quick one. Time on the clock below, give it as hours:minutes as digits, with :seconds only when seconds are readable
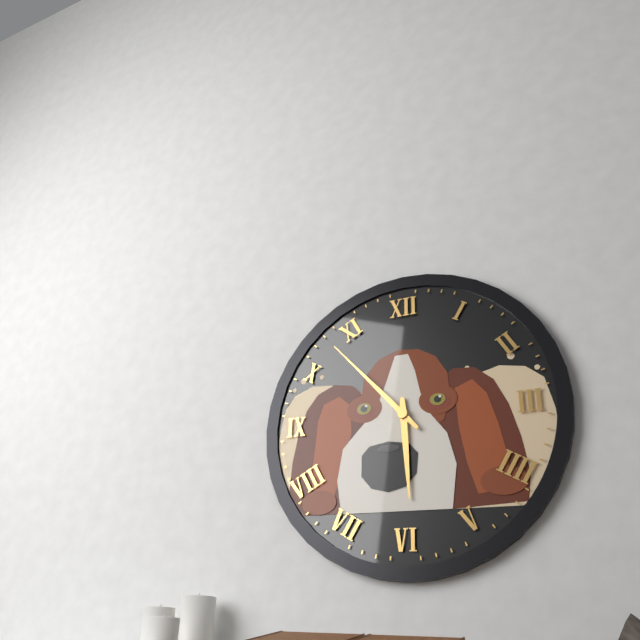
5:53
